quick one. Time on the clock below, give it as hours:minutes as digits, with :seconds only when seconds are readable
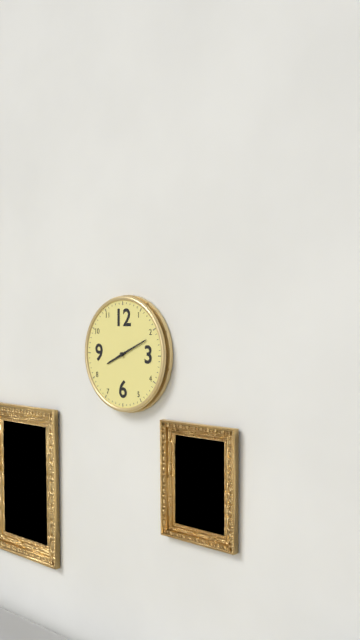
8:11
